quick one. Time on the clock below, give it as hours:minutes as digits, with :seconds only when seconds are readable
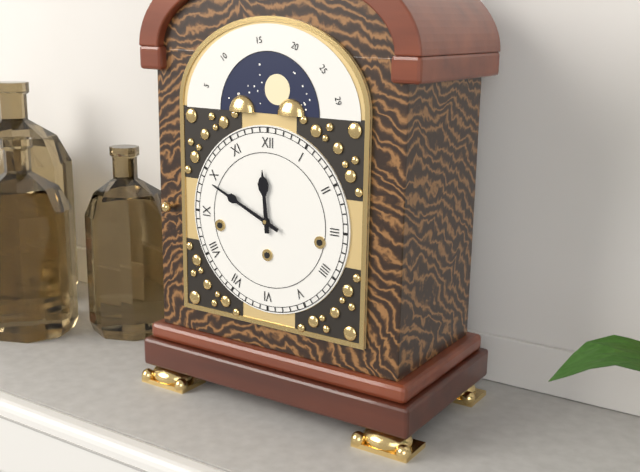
11:49
